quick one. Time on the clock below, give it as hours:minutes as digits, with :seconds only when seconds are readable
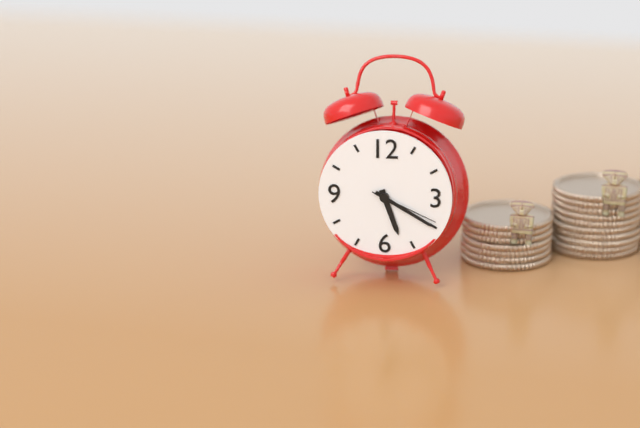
5:20:19
